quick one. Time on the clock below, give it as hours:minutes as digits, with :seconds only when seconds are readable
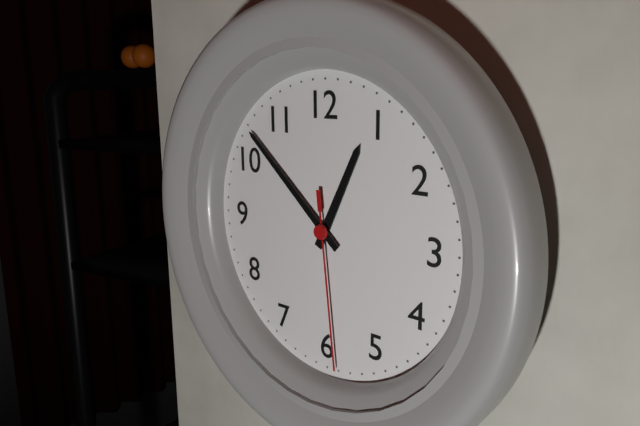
12:52:29
